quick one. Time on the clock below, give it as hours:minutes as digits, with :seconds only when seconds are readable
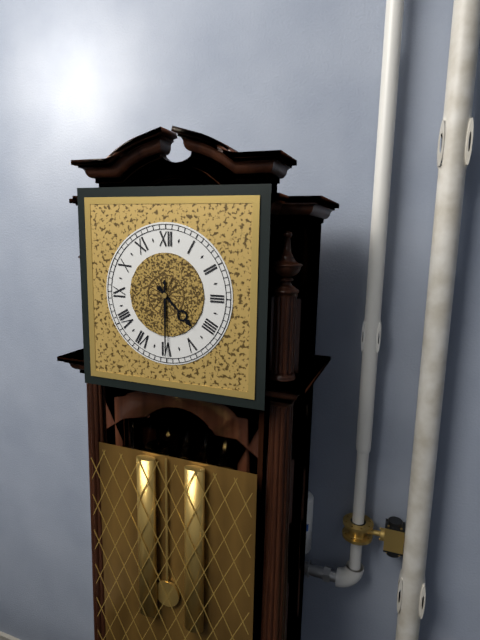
4:30
